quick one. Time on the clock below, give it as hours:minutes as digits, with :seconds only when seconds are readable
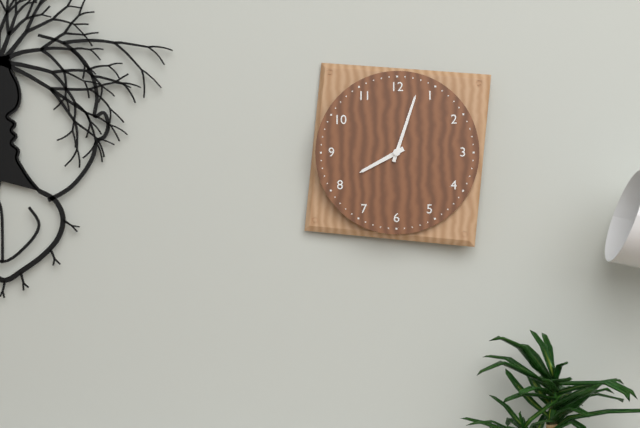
8:03
